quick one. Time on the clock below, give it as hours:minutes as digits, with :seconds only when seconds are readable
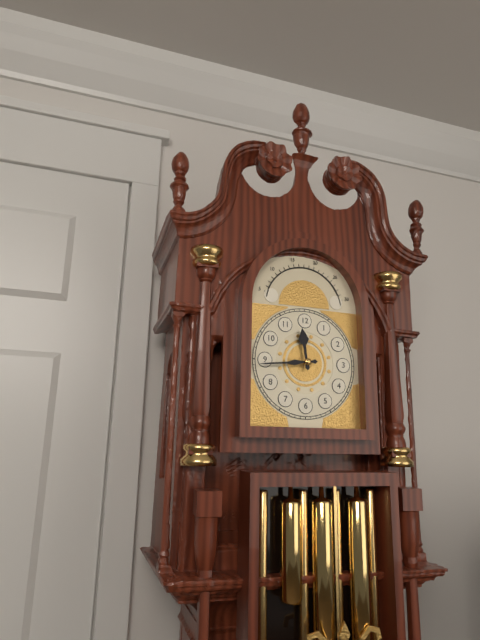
11:44
